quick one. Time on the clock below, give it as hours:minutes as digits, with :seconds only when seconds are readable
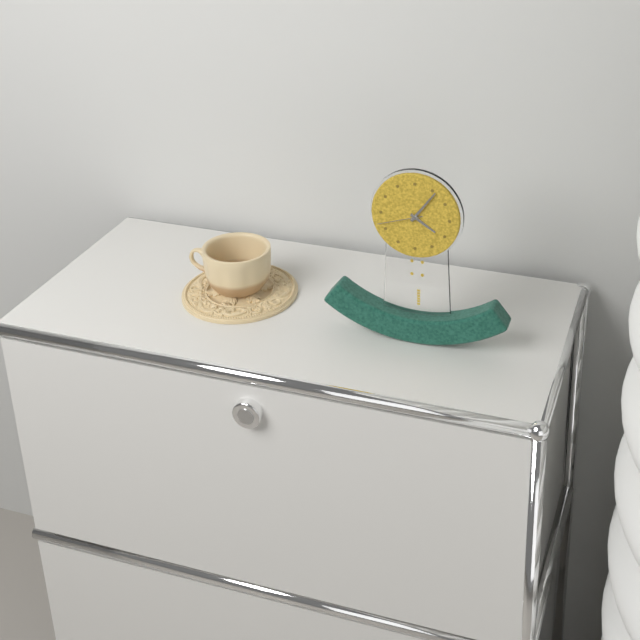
4:06
